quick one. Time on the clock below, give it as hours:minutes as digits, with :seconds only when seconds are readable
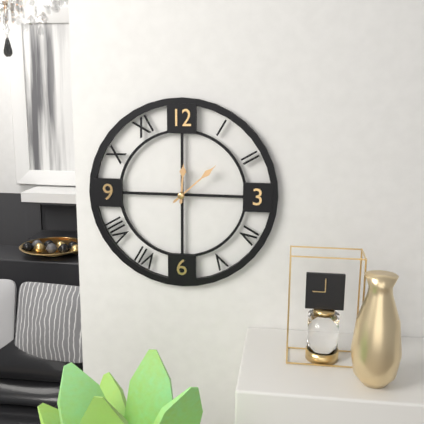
12:08
